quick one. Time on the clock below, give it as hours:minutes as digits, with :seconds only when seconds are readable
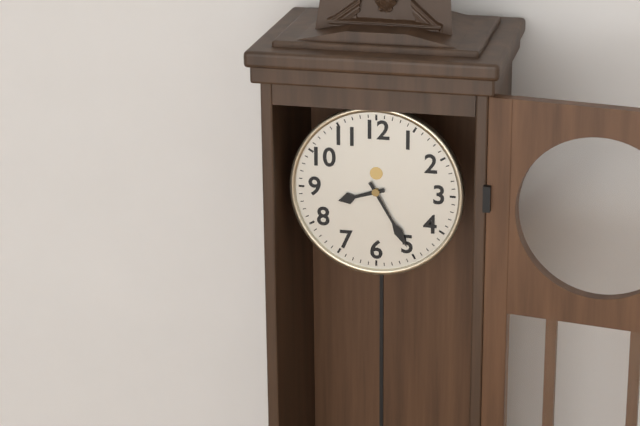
8:25
